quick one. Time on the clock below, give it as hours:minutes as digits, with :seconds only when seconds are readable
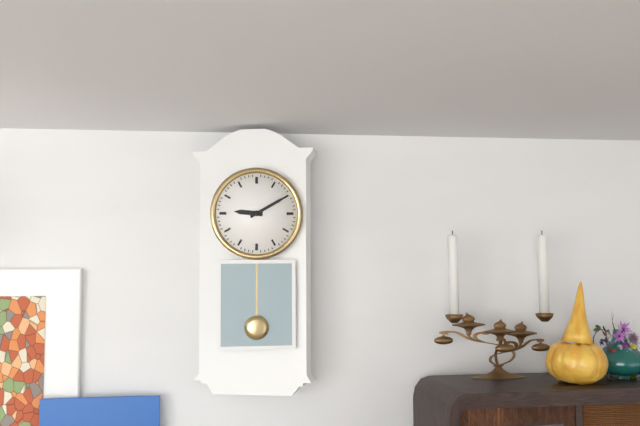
9:10
